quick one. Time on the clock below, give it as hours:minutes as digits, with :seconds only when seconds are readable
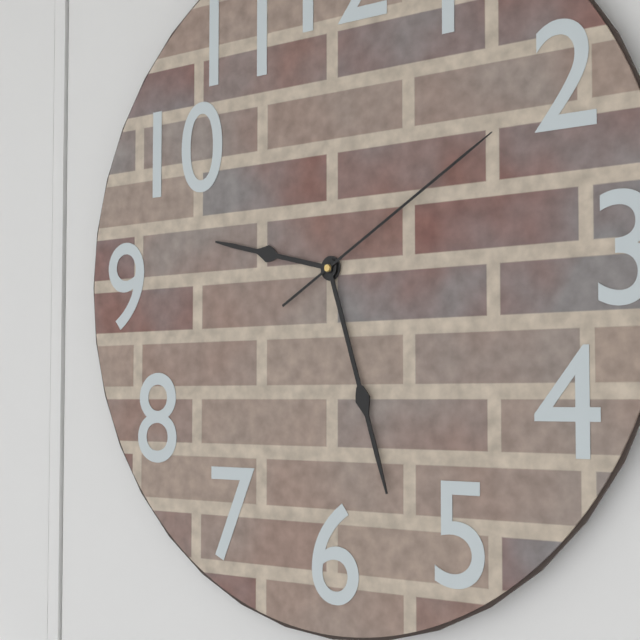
9:27:10
